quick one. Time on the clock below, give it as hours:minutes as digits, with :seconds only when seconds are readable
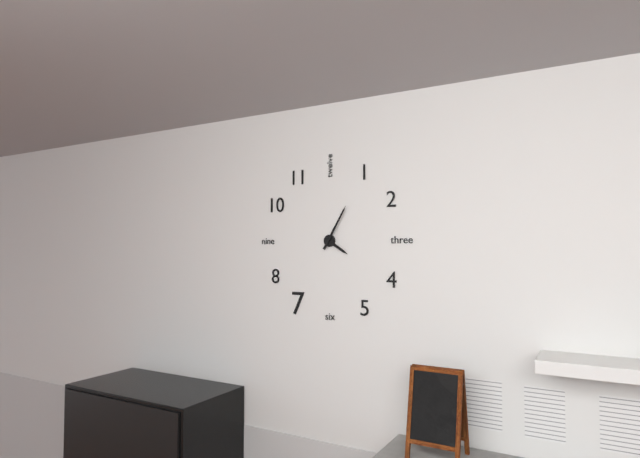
4:05
